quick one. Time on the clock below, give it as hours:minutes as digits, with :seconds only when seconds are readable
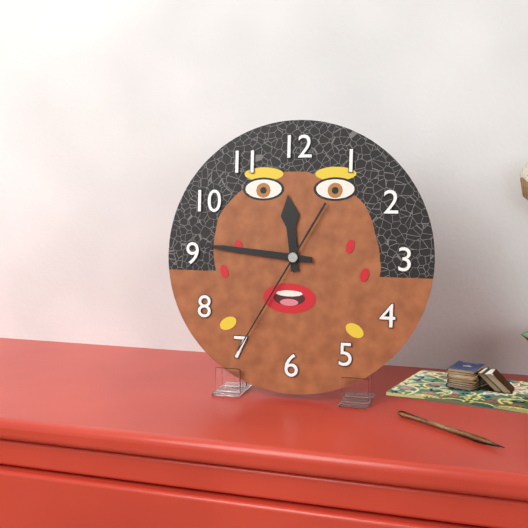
11:46:35
